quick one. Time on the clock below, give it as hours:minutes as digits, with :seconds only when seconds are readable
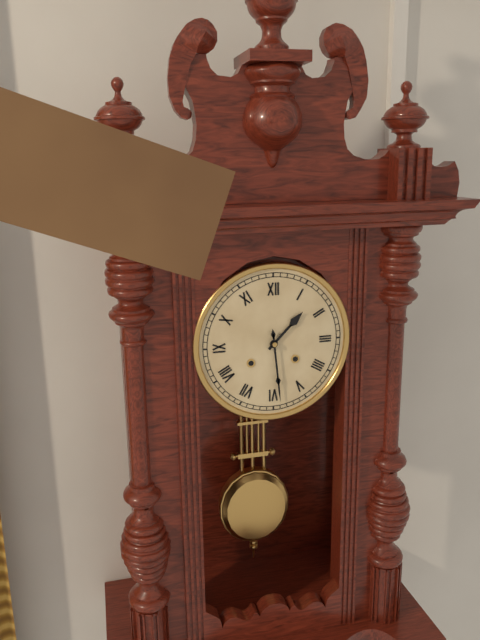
1:29
